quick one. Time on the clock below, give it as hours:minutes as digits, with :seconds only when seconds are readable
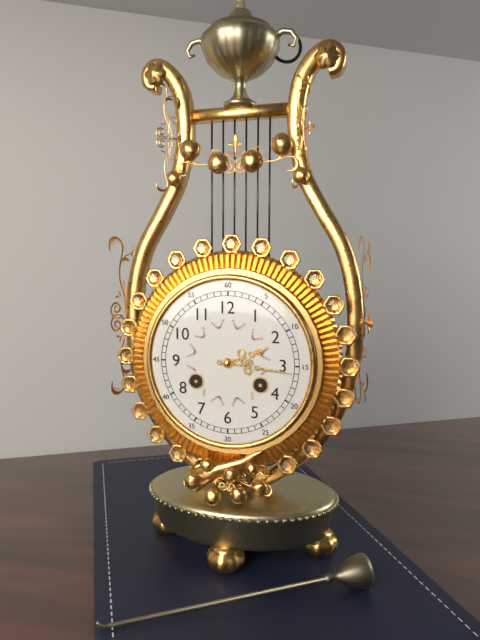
2:16
